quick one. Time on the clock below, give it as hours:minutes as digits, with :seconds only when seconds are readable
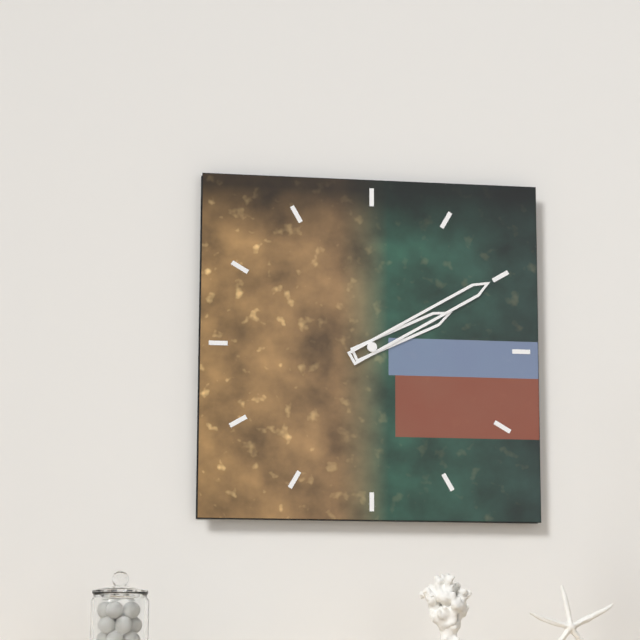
2:10
